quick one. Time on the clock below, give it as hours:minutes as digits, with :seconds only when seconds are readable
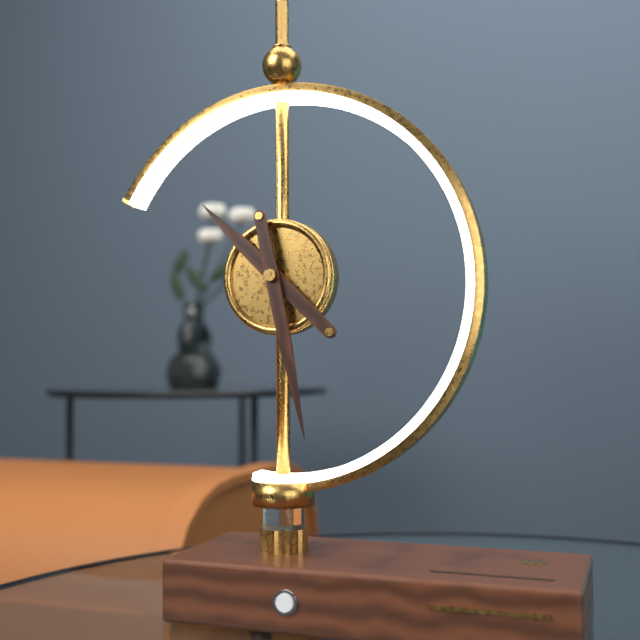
10:28
